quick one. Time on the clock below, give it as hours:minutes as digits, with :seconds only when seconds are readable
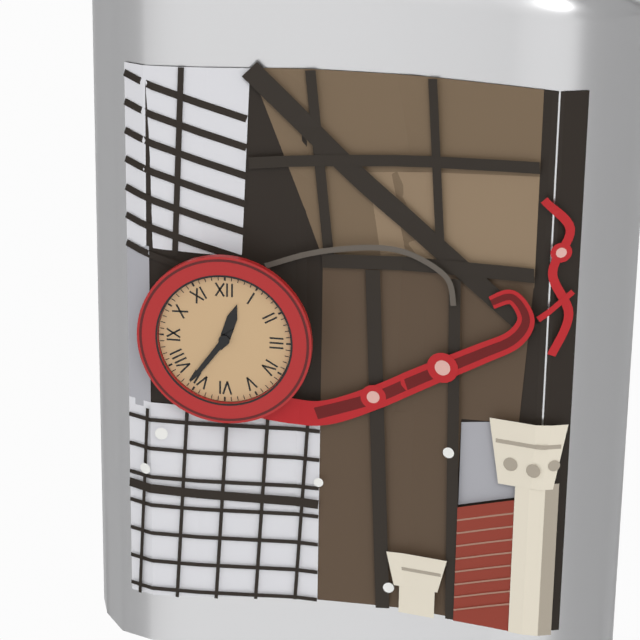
12:36
